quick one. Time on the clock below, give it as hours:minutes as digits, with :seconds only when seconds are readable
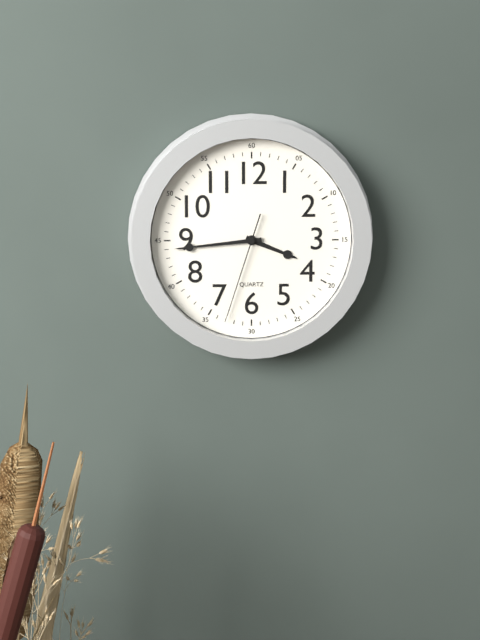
3:44:33
